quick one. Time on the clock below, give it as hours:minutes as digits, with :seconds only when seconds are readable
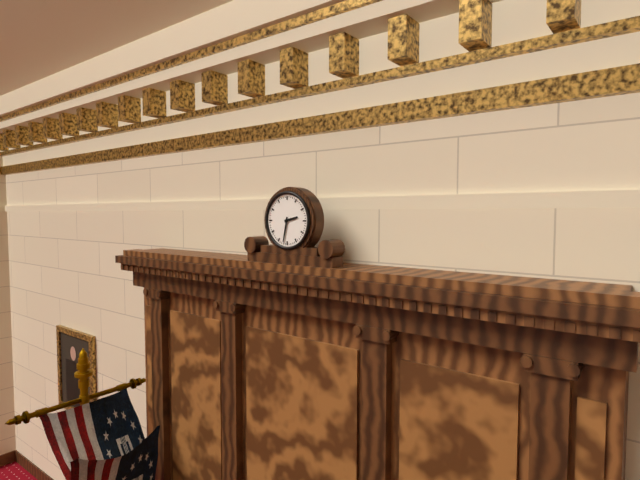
2:32
